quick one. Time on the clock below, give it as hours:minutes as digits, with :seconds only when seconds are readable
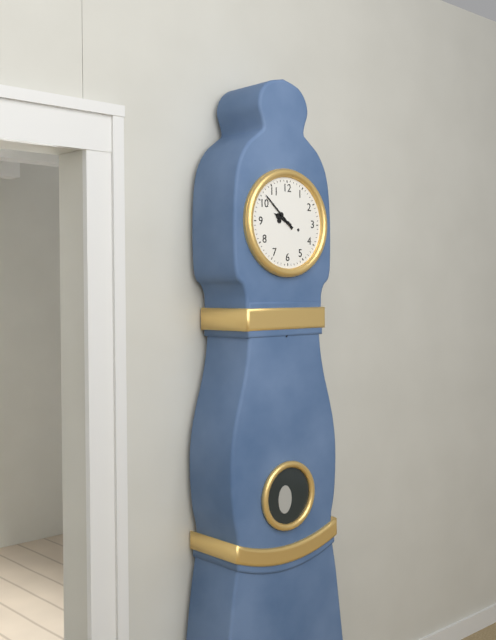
9:52
